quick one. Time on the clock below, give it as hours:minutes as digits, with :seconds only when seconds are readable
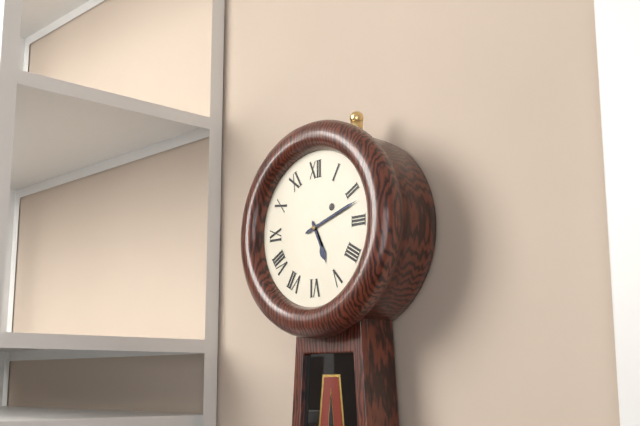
5:12
